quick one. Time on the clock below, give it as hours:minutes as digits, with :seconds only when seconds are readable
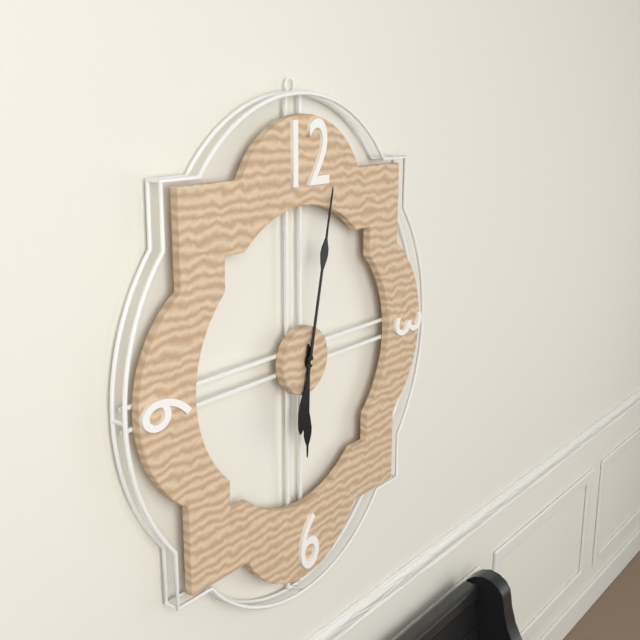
6:02
